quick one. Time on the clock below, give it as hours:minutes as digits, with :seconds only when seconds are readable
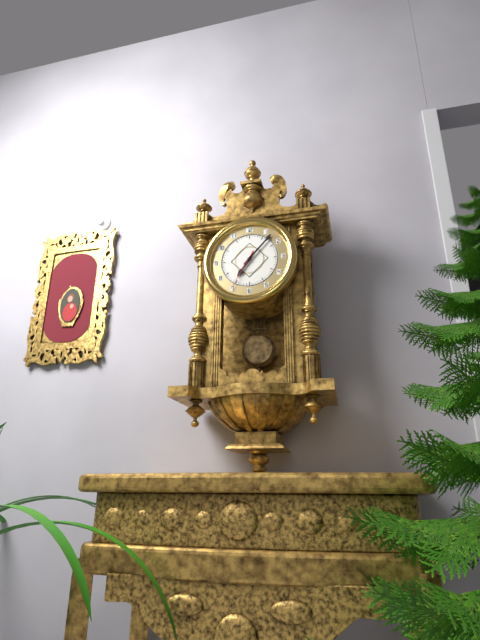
7:07
